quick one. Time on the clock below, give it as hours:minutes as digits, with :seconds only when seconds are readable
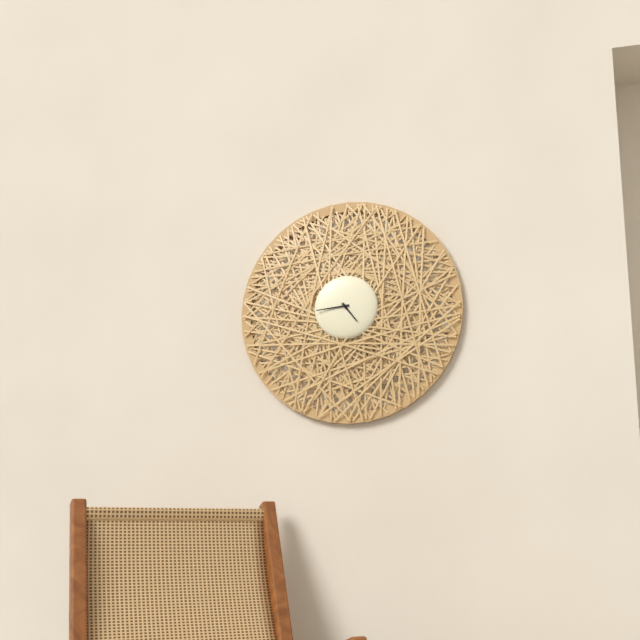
4:44
